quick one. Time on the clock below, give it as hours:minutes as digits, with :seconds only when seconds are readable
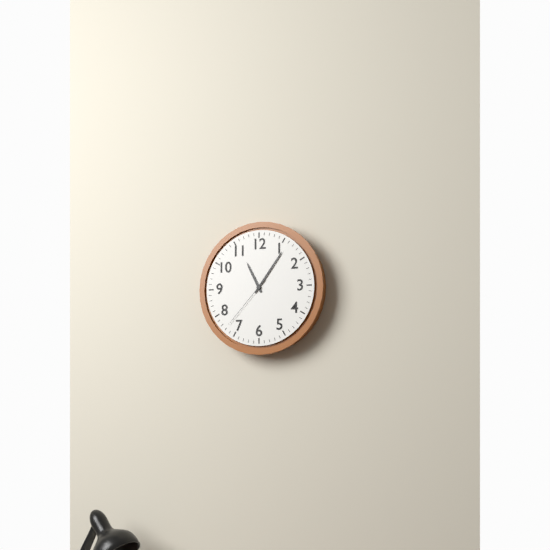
11:06:37
